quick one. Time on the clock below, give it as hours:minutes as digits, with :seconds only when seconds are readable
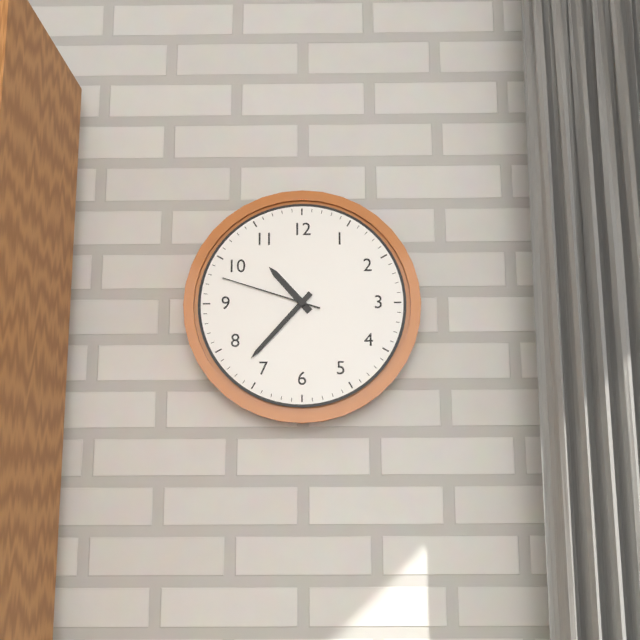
10:37:48
